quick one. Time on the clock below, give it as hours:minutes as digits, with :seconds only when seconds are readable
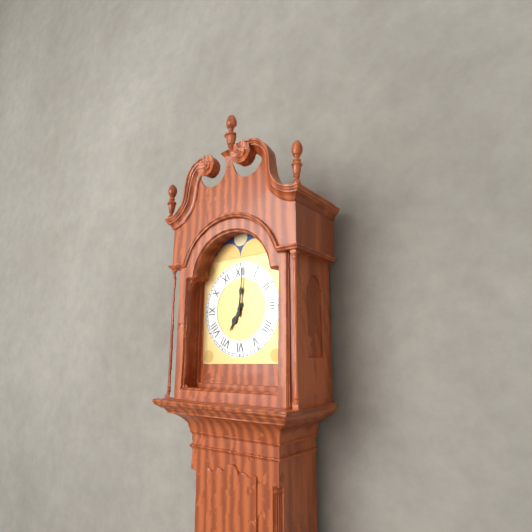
7:01
